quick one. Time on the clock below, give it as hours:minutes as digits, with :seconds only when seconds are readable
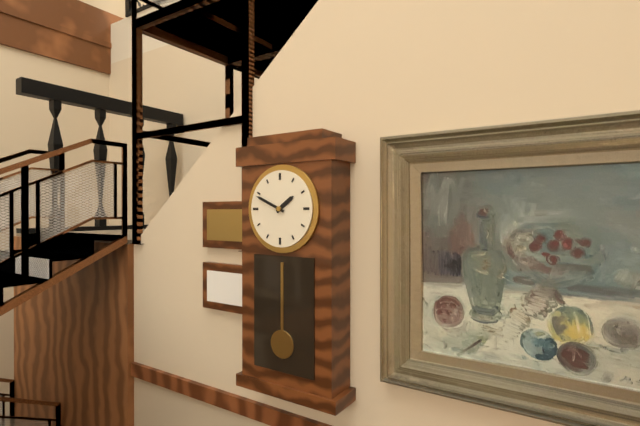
1:49
